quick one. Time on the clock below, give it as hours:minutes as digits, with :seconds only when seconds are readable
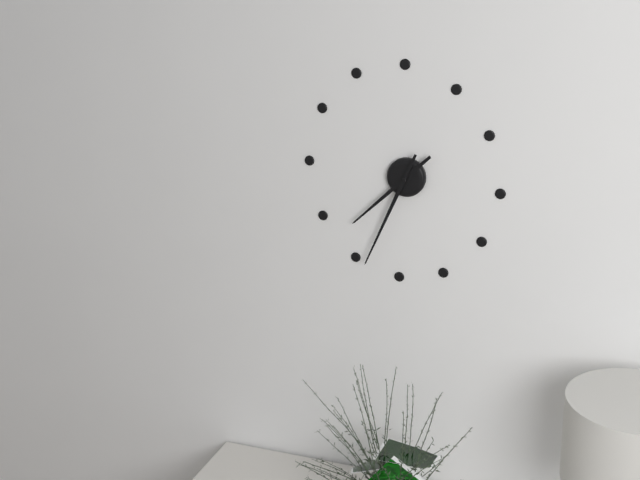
7:34
